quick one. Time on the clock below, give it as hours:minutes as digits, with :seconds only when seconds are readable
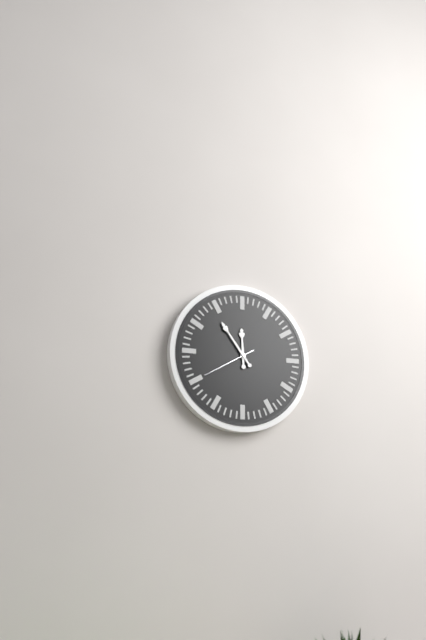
11:54:40
